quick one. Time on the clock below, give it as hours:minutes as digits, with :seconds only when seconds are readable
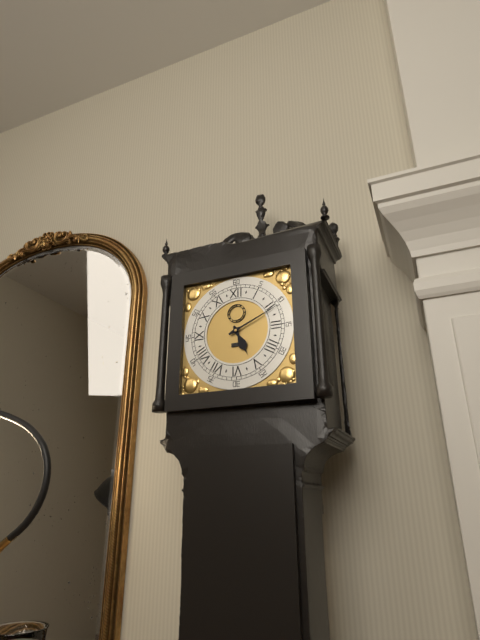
5:11
